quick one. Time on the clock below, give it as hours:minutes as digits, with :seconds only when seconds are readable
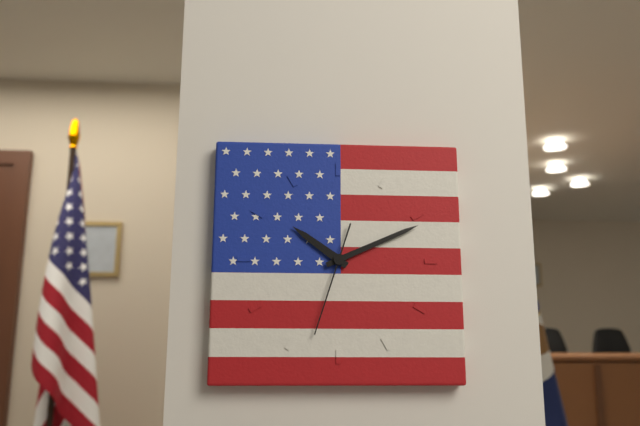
10:11:33
